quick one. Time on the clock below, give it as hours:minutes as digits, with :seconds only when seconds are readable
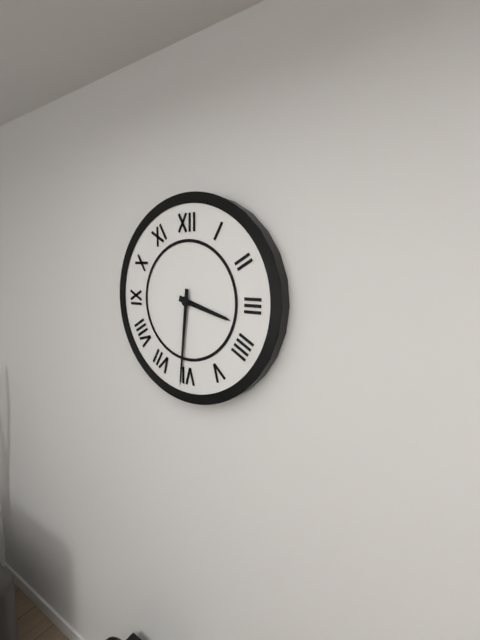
3:31
